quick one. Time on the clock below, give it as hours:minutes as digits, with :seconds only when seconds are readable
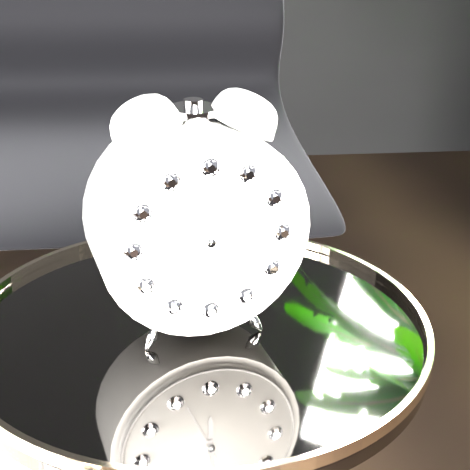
6:01:34
